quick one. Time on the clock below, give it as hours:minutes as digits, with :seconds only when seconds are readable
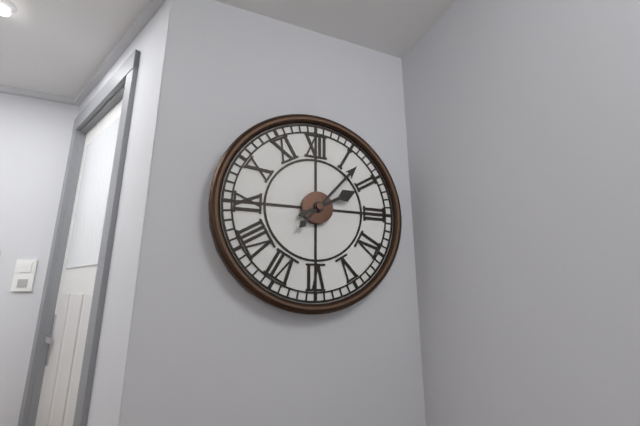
2:07
